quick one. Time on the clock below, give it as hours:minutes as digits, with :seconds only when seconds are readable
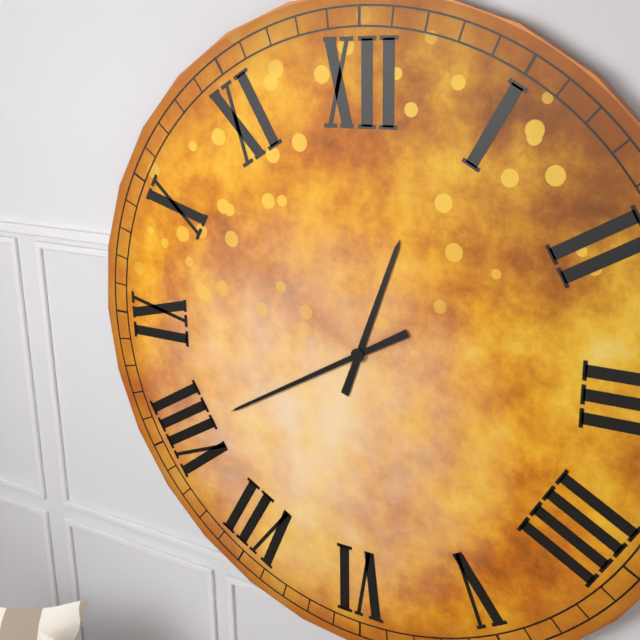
12:40
